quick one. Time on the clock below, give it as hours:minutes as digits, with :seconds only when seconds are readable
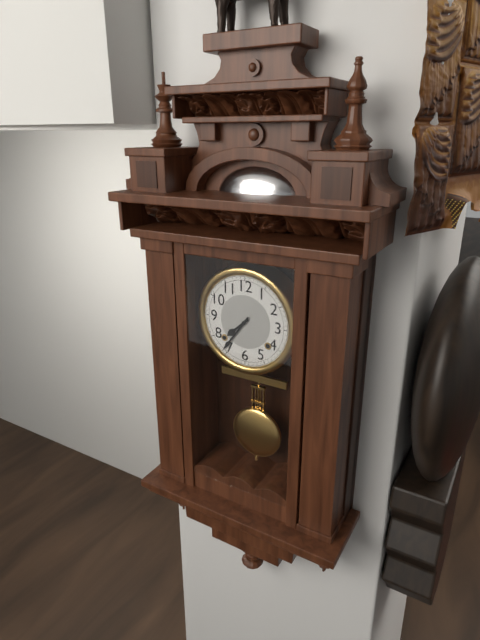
7:36
